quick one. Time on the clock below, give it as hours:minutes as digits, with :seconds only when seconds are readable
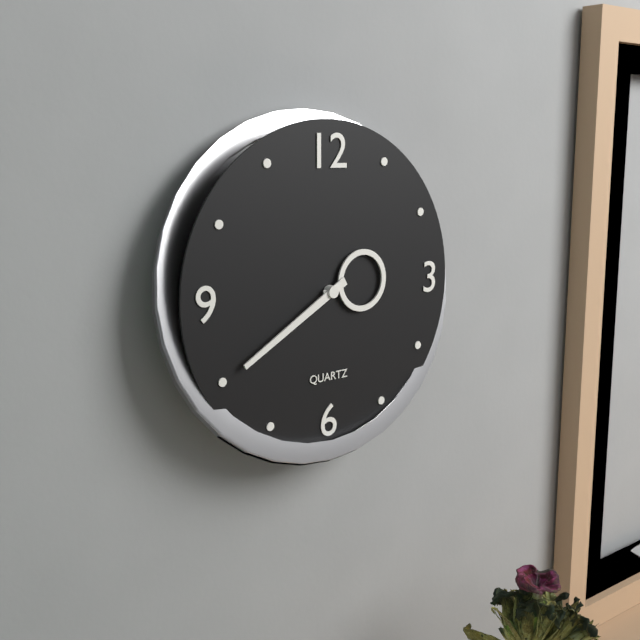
2:40
